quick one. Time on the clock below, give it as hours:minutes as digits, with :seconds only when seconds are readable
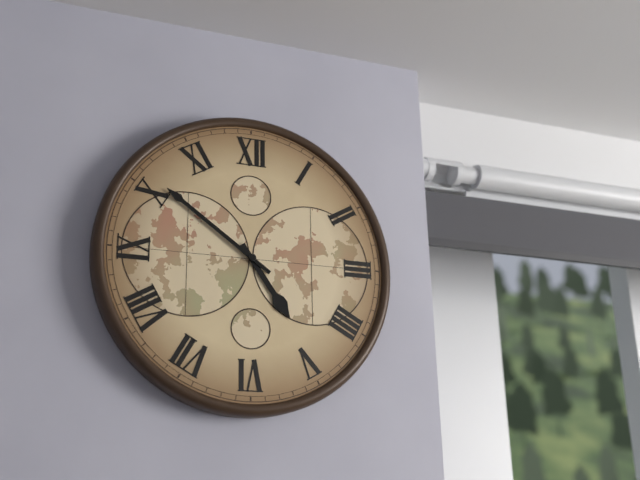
4:51
